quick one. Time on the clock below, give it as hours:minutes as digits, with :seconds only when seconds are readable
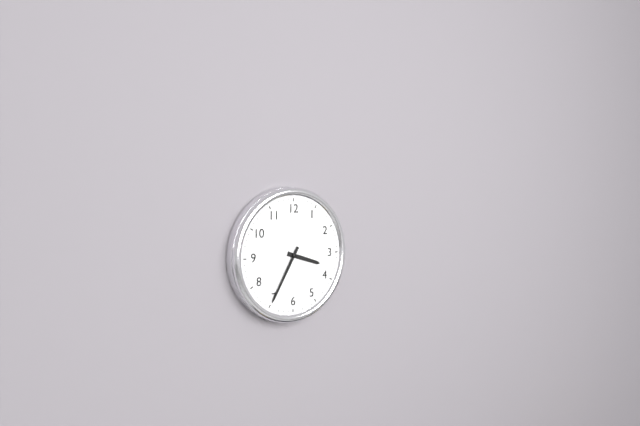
3:35
